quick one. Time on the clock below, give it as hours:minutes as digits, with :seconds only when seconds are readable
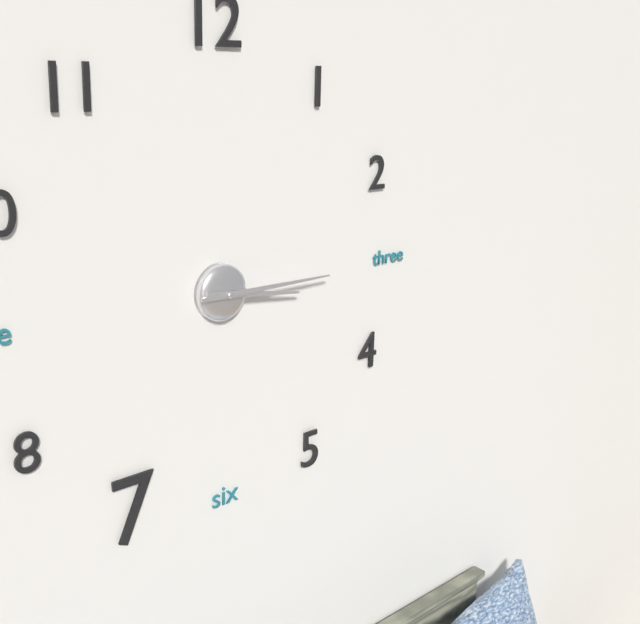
3:15
